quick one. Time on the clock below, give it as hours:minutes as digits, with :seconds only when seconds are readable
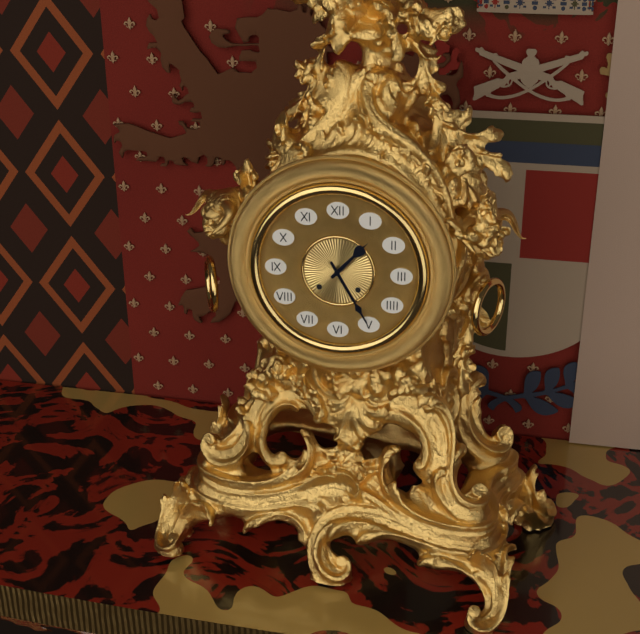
1:25
